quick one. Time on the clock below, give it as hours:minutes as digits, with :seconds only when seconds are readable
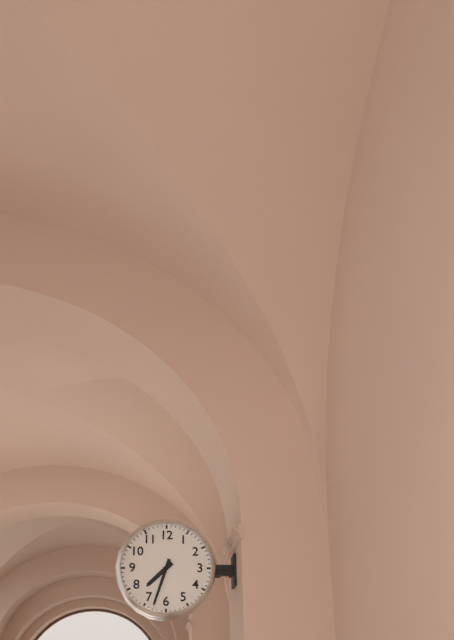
7:33
